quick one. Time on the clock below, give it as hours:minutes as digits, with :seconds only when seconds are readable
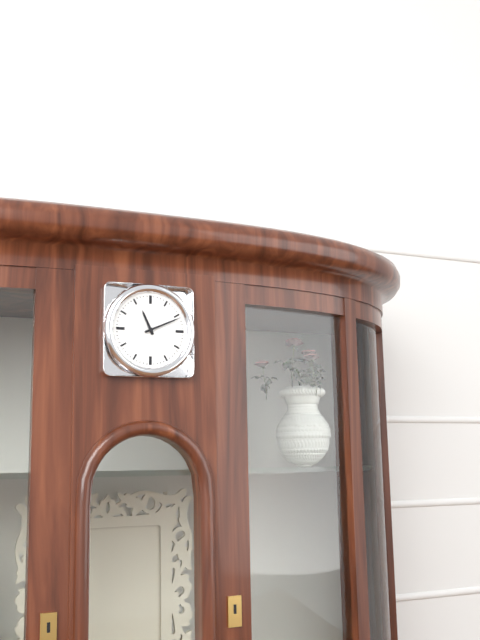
11:11
